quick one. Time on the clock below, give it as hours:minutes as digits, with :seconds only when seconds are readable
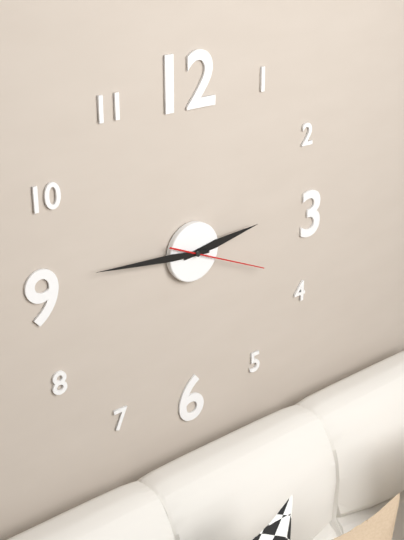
2:46:19
